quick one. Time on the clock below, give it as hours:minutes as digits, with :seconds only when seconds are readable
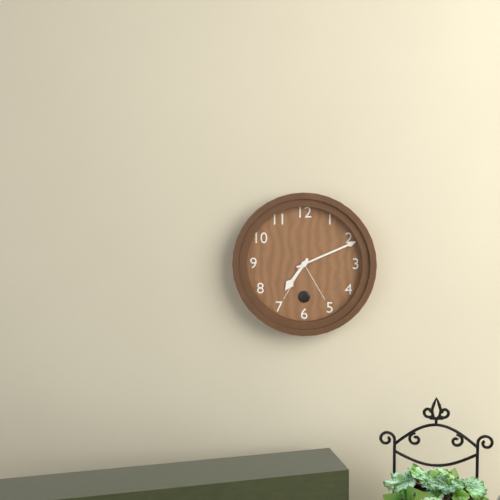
7:11
